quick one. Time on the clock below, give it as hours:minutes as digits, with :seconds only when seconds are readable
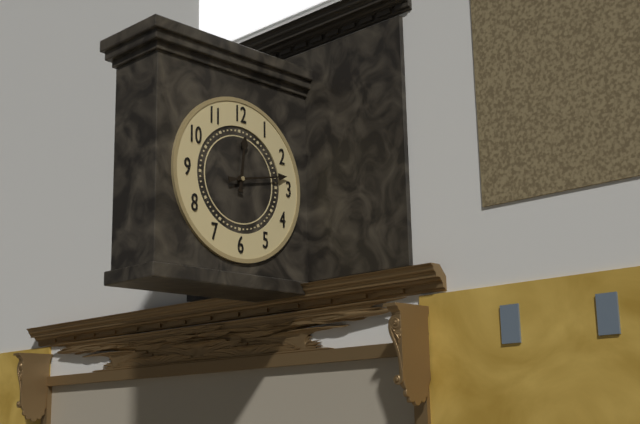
12:13
